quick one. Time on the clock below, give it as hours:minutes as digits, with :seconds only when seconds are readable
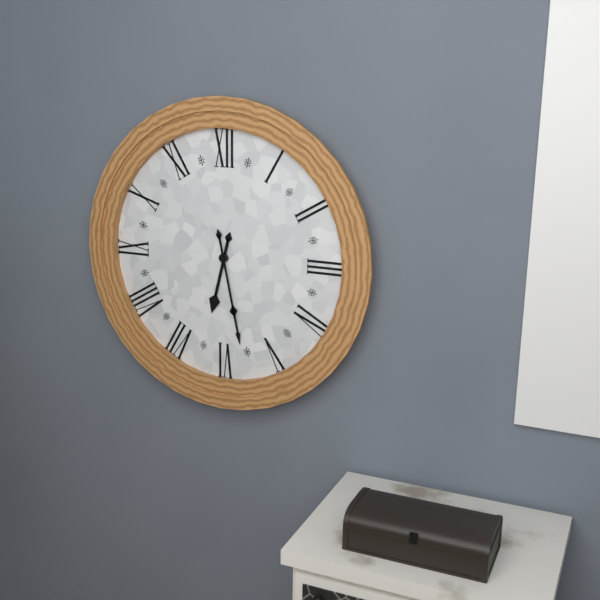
6:28
